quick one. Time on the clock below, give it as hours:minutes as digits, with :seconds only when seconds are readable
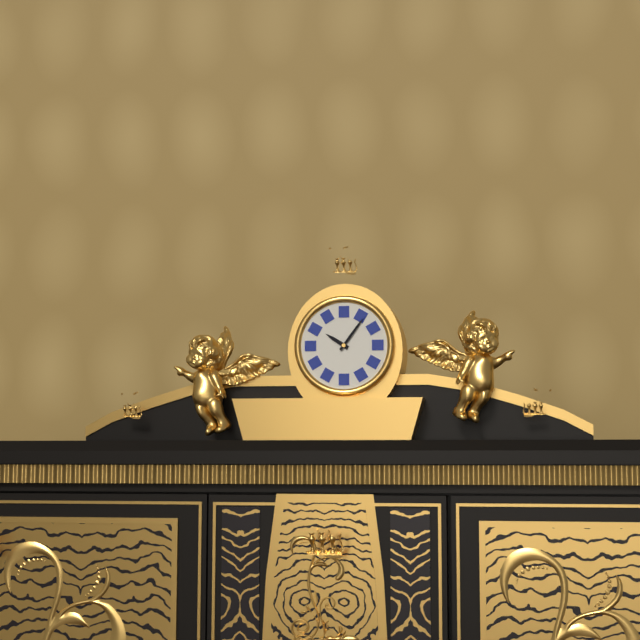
10:06
